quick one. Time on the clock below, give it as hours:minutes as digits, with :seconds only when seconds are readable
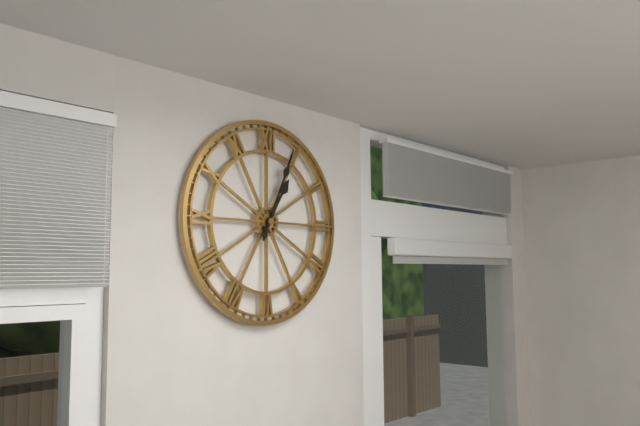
1:04
